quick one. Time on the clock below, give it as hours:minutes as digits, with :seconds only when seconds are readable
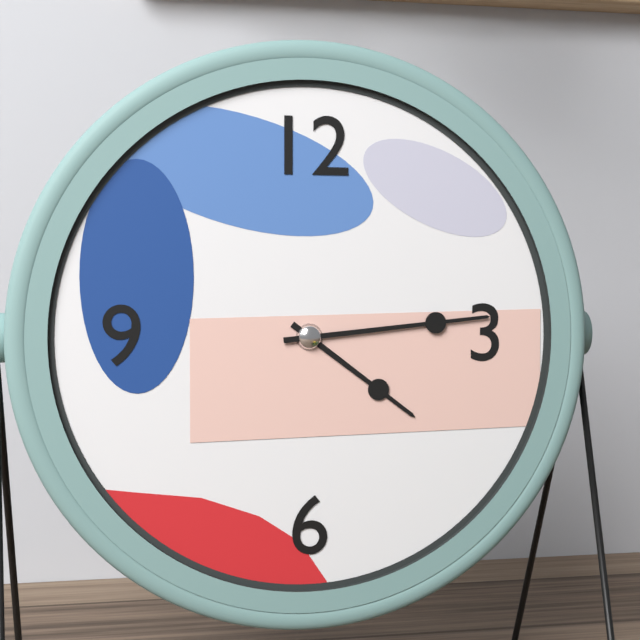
4:14
